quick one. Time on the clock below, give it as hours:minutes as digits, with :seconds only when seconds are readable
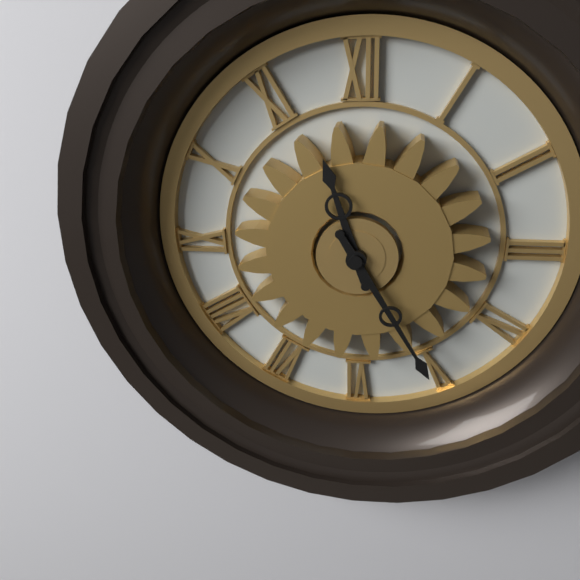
11:25
